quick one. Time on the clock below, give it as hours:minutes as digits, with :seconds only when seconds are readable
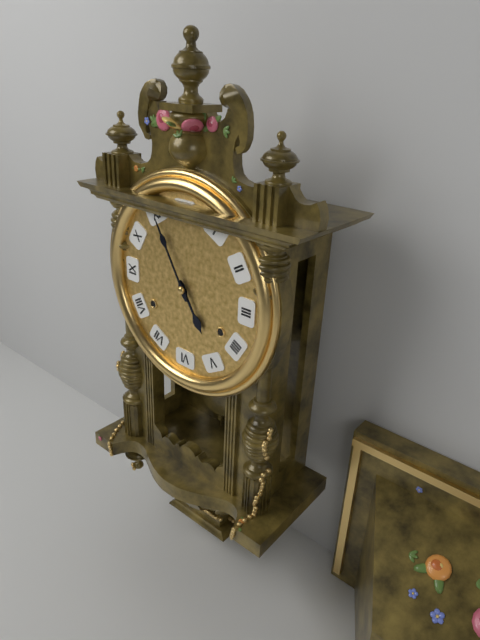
4:55
